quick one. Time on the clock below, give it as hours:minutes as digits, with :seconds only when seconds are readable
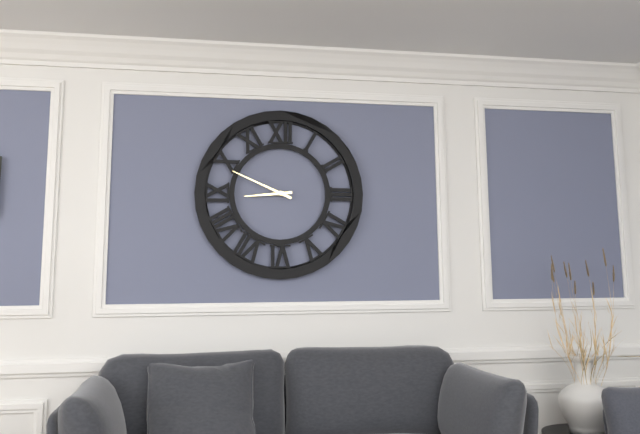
8:49
